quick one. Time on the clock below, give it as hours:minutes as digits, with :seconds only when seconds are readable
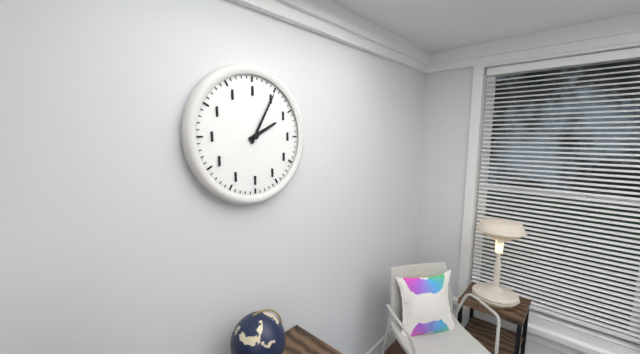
2:05
